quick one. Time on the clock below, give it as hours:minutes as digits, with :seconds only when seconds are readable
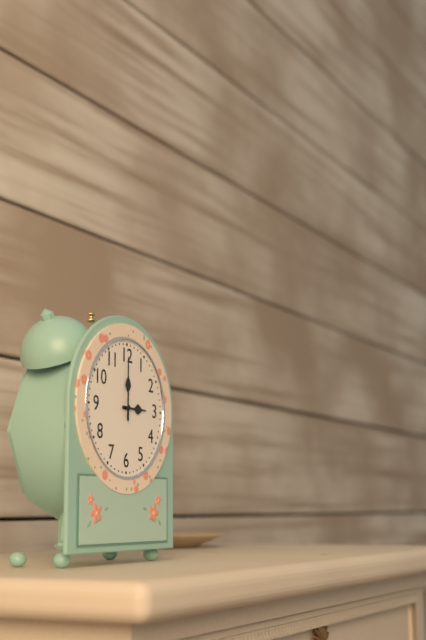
3:00
